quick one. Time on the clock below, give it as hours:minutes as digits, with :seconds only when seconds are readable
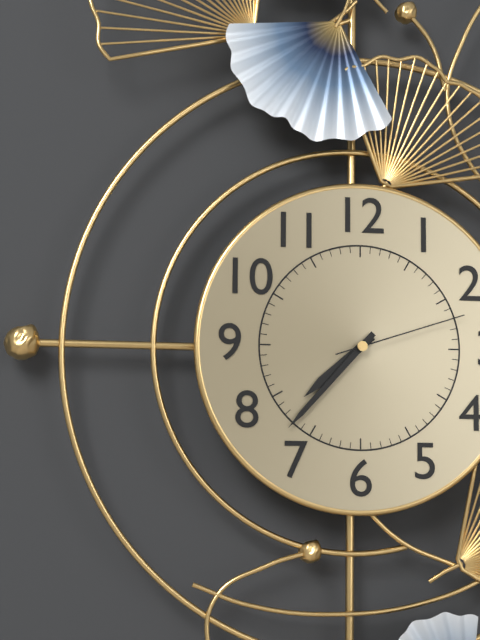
7:37:12
